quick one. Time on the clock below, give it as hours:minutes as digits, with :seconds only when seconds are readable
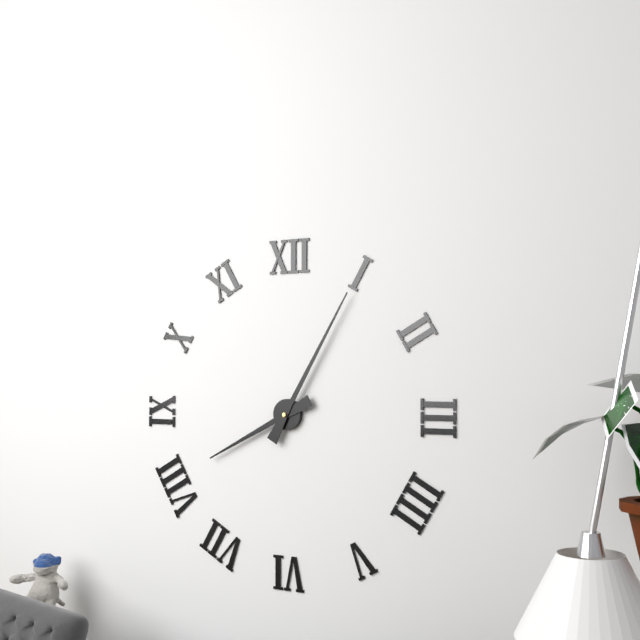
8:05
